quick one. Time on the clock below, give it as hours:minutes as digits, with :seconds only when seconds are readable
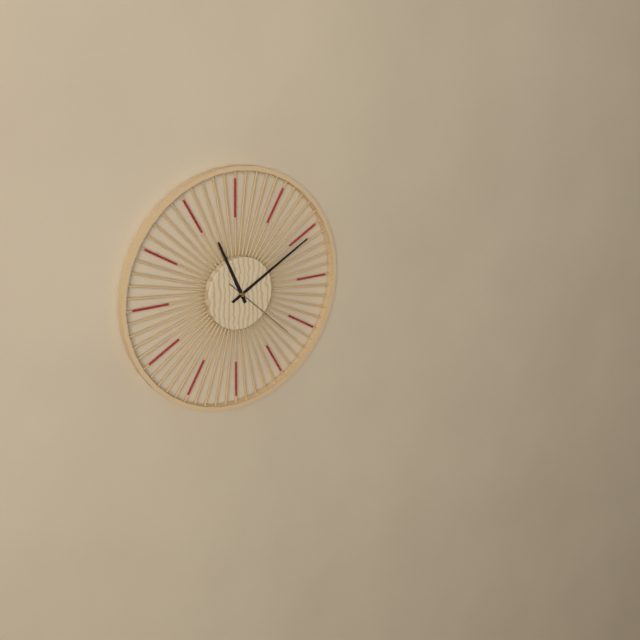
11:10:22
